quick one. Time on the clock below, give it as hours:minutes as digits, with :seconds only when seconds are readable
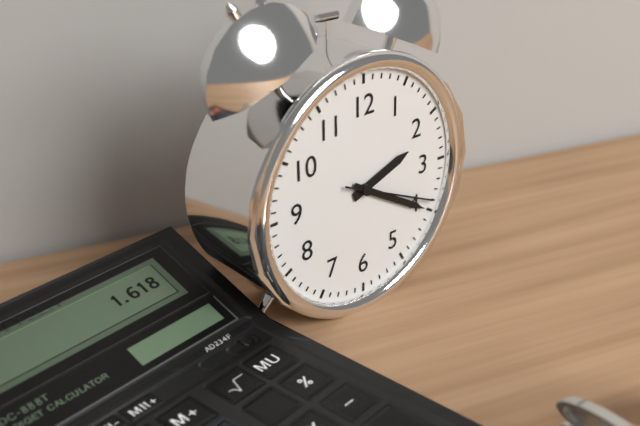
2:20:19
